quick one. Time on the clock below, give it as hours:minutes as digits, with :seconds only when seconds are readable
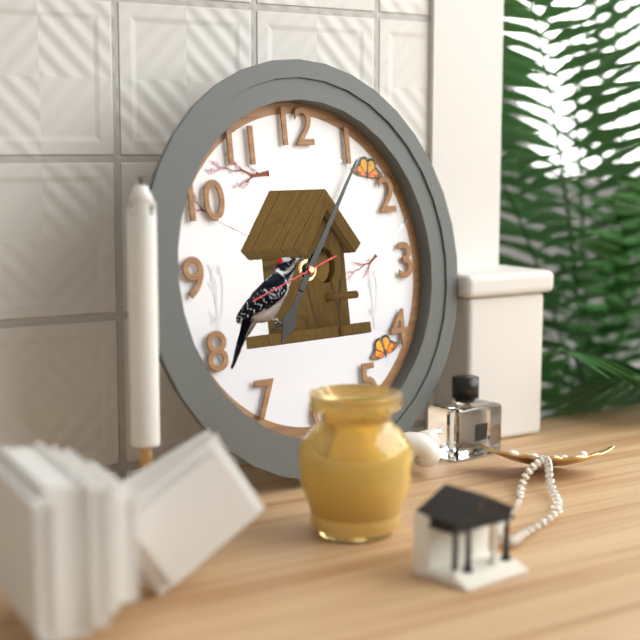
7:06:42
